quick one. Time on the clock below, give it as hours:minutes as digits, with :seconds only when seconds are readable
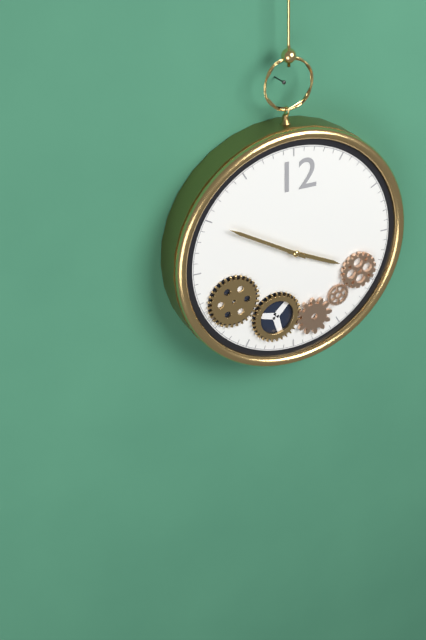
3:50
